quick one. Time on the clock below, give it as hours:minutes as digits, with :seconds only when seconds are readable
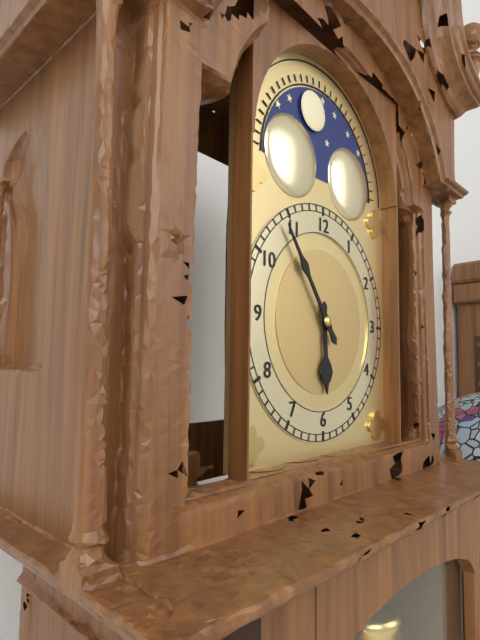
5:54
